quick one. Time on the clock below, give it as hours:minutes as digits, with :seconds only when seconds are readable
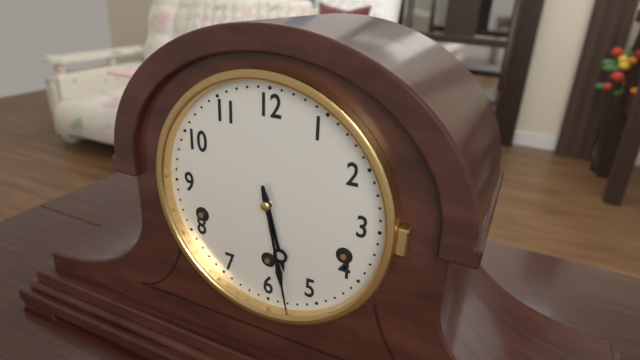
5:28
